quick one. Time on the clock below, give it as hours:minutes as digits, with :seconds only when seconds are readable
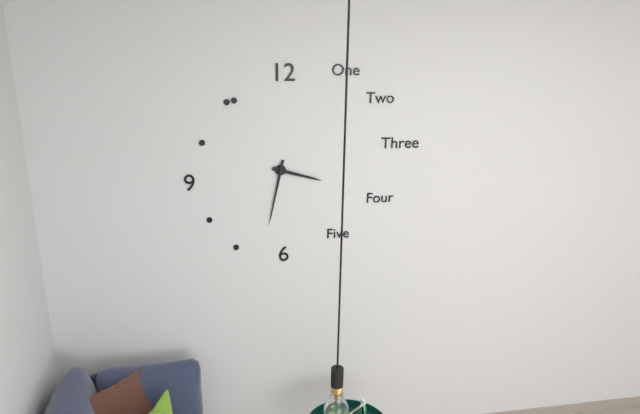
3:32
